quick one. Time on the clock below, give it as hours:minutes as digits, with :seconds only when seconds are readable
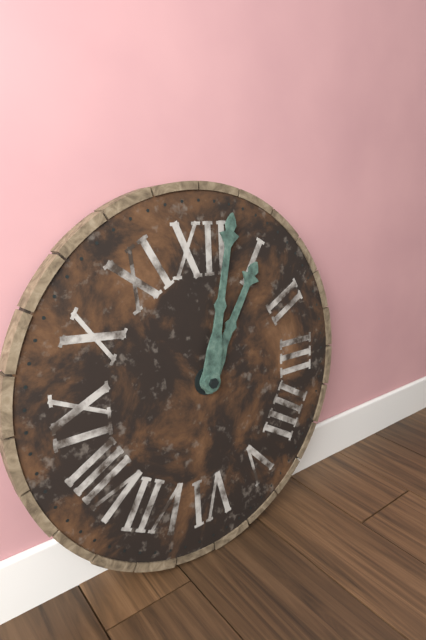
1:02
